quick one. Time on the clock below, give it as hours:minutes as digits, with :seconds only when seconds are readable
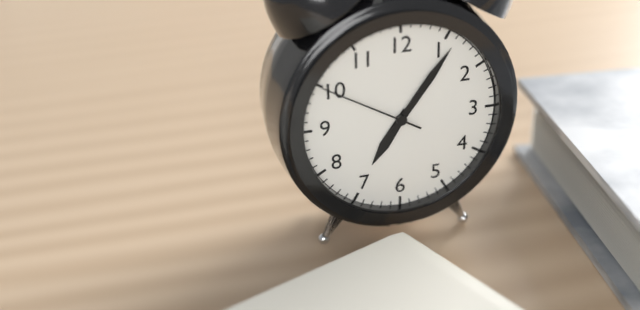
7:06:50
